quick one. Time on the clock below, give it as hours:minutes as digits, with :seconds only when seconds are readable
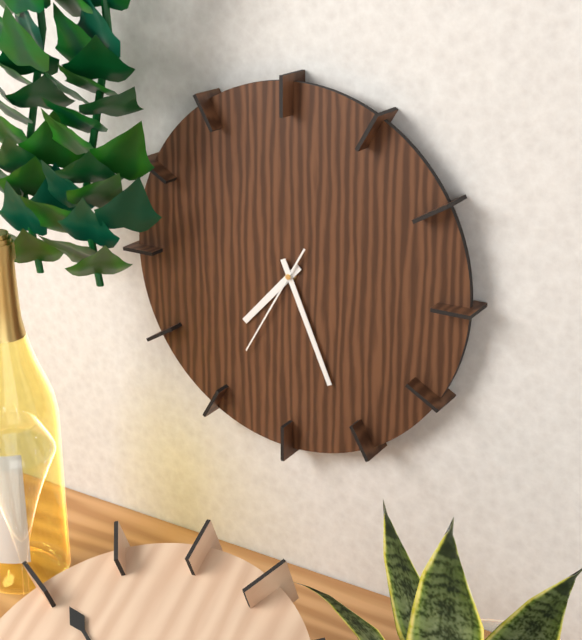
7:26:35
